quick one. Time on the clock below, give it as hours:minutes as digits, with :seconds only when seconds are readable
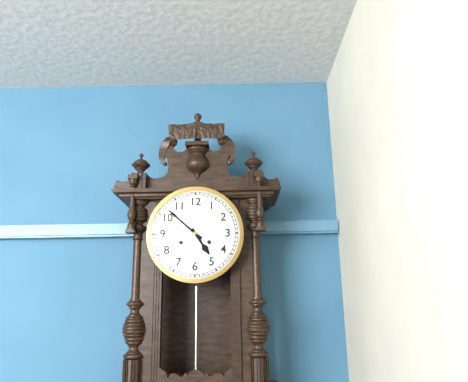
4:52
